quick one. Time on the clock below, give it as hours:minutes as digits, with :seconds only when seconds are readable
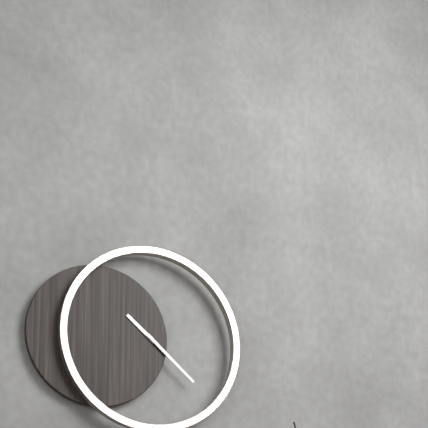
10:22
